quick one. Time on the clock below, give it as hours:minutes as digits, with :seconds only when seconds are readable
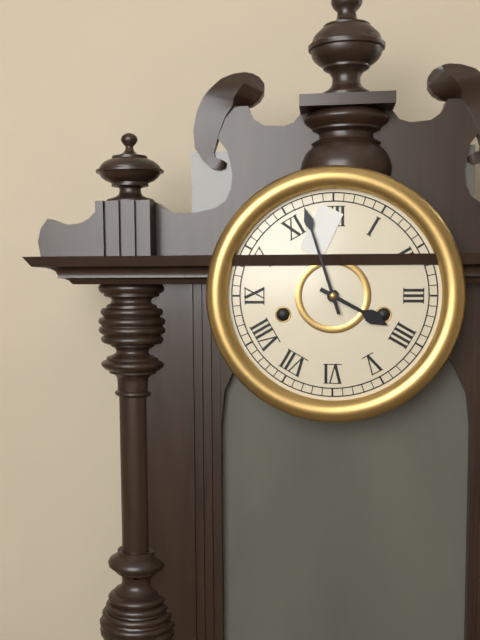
3:57
